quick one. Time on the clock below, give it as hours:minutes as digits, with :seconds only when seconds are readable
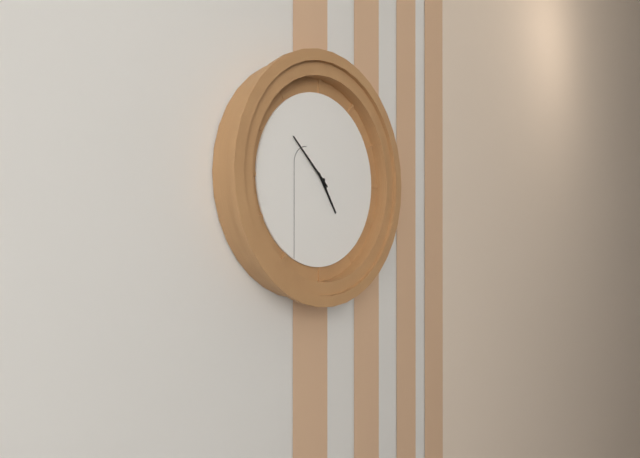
4:52
